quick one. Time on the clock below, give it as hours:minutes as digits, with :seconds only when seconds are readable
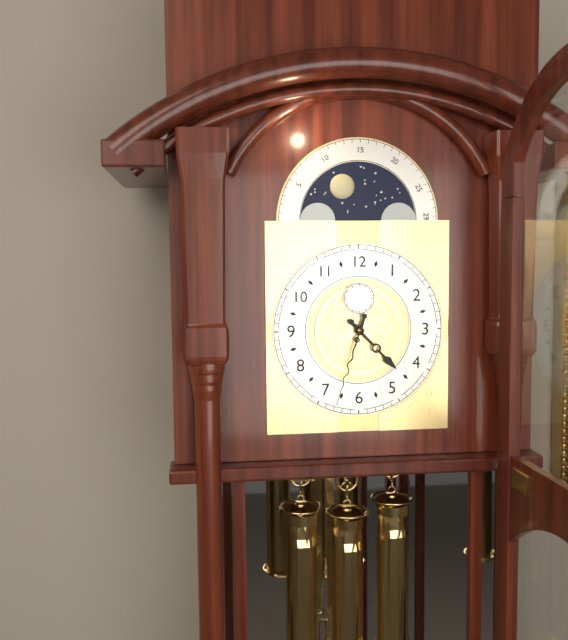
4:33
